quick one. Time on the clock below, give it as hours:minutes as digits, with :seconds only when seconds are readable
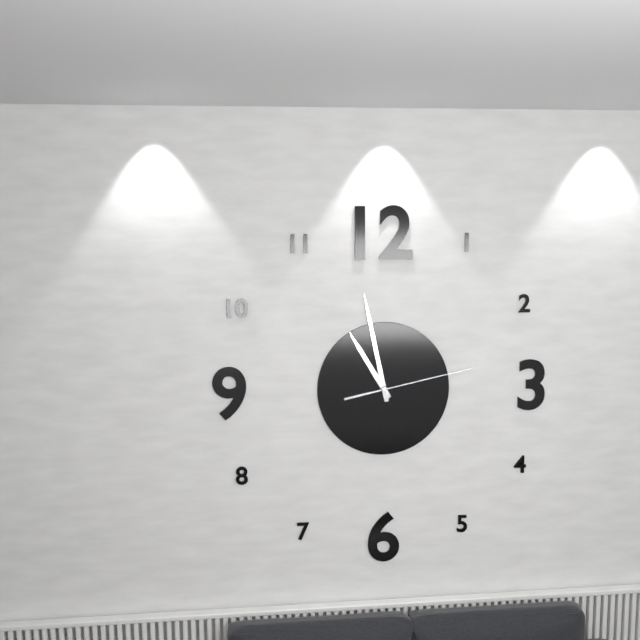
10:58:13
